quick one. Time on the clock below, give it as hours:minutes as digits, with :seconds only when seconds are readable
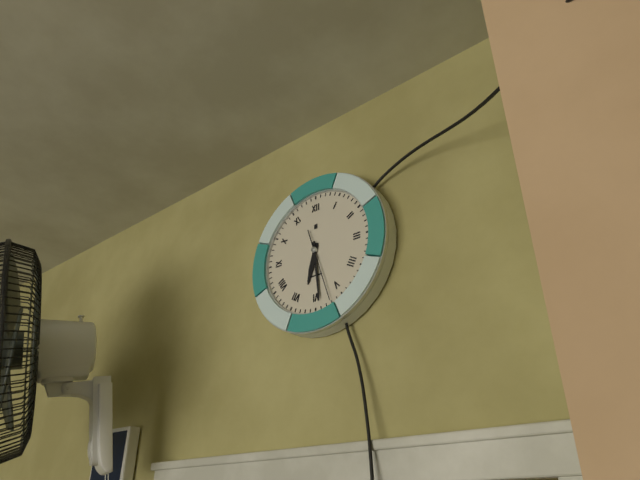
6:29:27
